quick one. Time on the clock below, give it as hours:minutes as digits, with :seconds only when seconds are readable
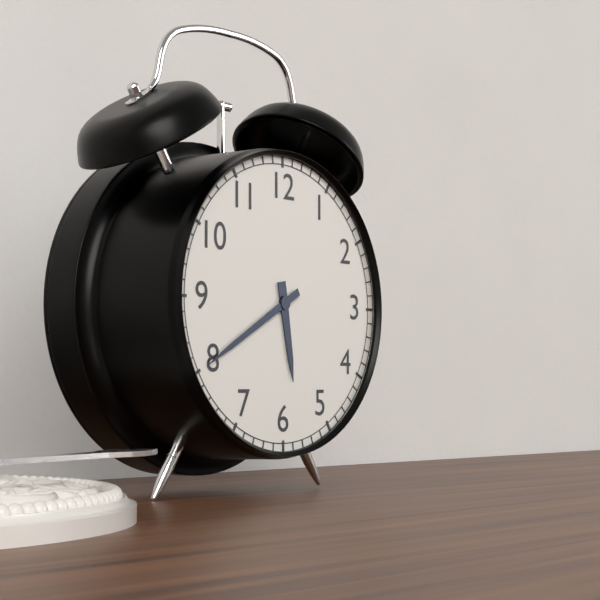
5:40
